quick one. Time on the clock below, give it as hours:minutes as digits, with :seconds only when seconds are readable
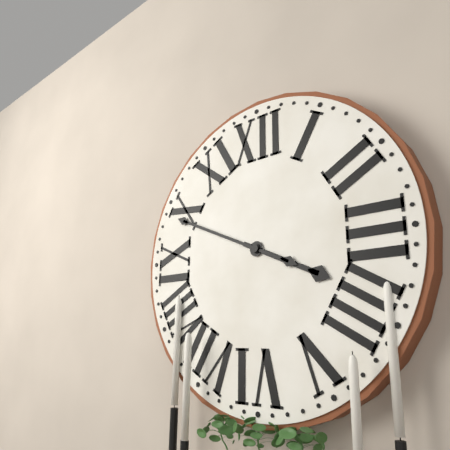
3:49
